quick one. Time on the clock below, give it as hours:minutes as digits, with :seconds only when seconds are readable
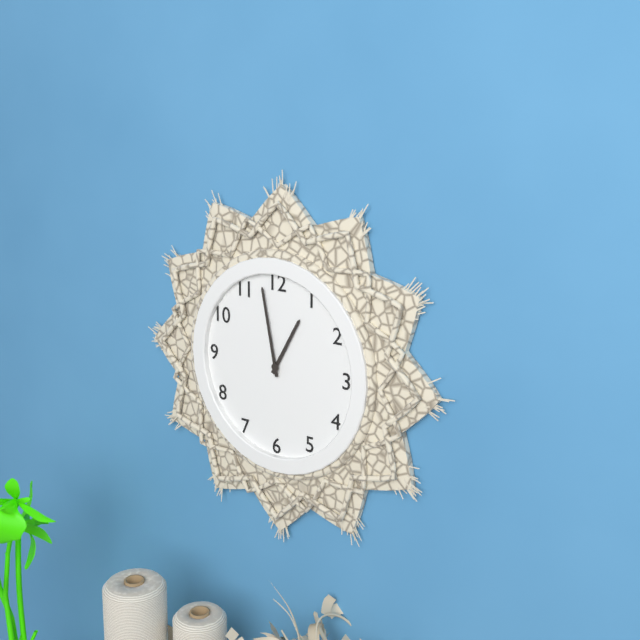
12:58
